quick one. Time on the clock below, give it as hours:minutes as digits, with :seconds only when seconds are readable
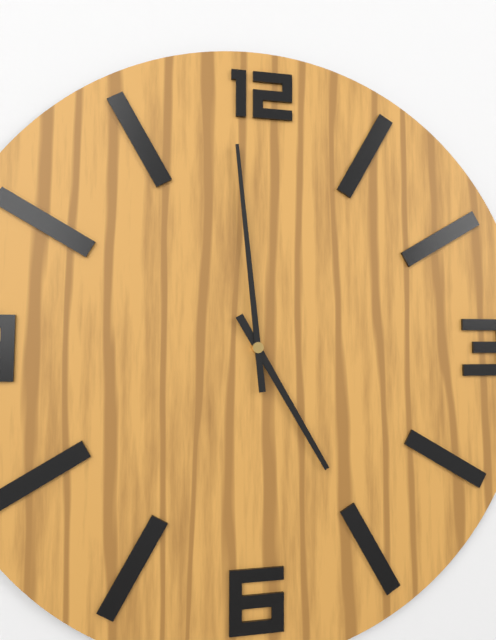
4:59
